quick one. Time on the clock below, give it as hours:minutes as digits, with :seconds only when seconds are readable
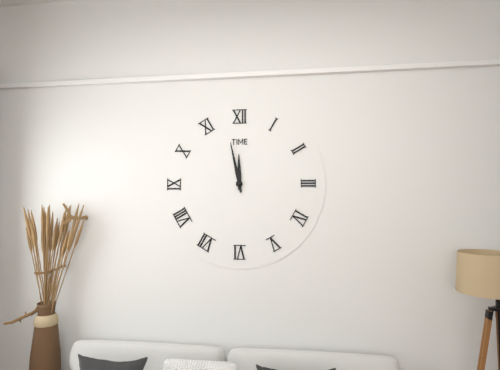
11:58
